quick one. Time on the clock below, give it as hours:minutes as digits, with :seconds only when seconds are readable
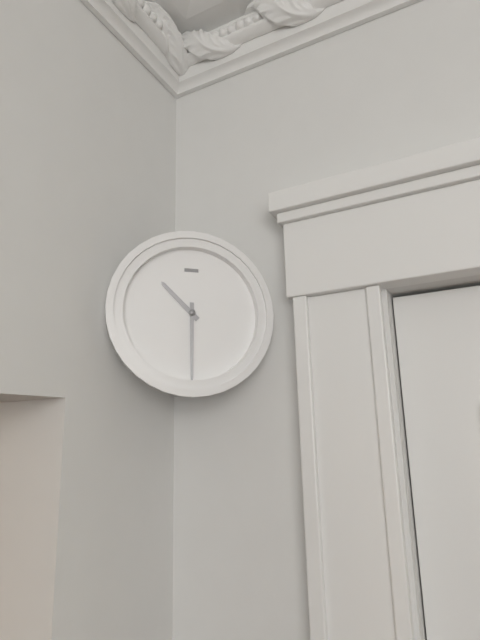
10:30
